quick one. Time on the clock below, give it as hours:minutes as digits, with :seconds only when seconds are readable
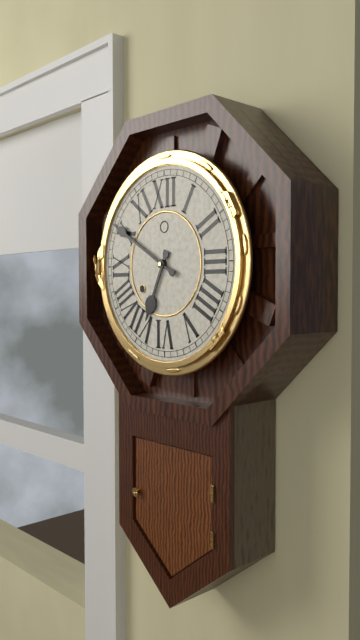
6:50
